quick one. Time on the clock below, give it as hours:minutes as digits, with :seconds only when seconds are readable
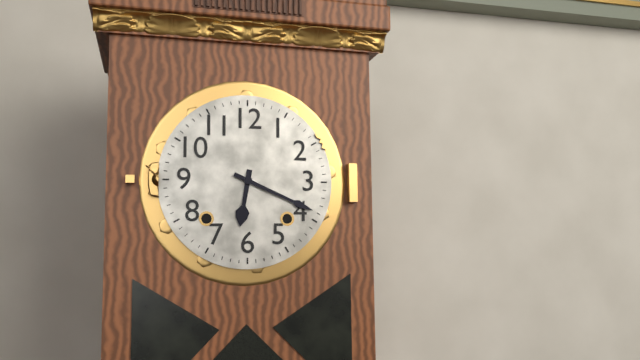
6:19
